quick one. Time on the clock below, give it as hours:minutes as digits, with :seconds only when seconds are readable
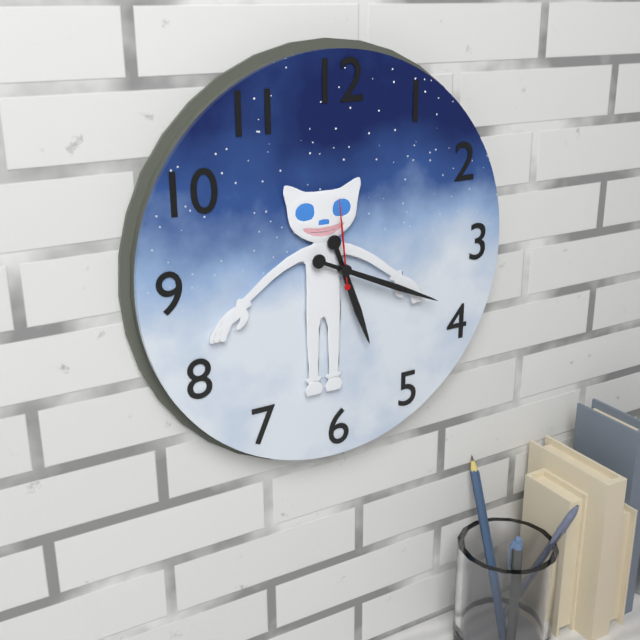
5:19:59
